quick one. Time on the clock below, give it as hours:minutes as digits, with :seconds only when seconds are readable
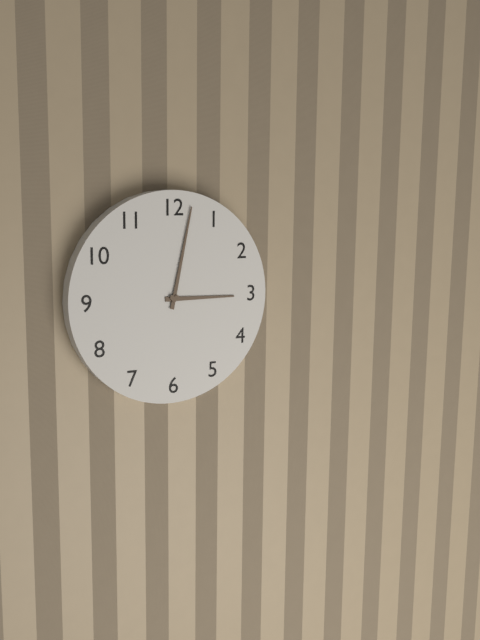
3:02
